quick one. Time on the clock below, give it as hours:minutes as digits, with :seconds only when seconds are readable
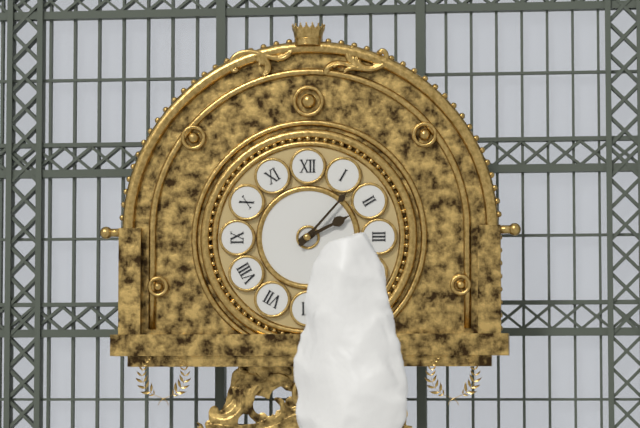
2:07
